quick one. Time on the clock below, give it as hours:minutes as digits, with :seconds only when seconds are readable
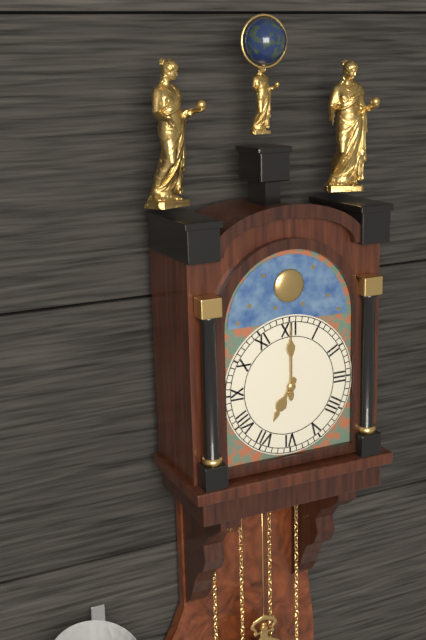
7:00
